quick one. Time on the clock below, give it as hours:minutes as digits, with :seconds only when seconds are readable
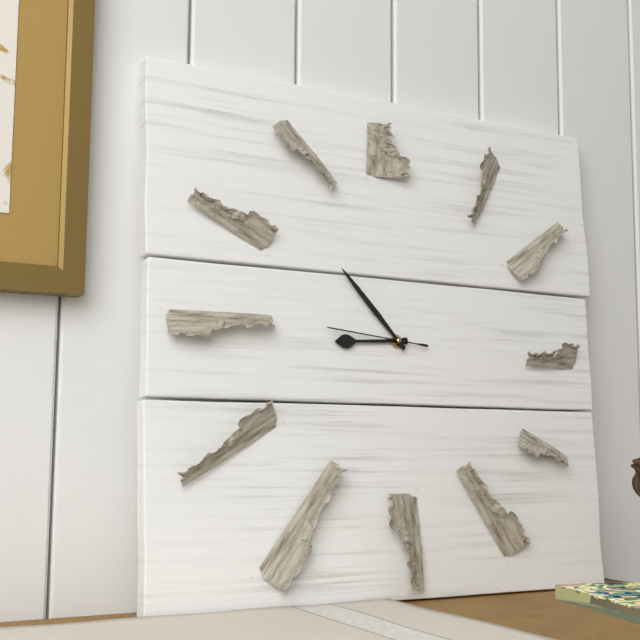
8:53:46
